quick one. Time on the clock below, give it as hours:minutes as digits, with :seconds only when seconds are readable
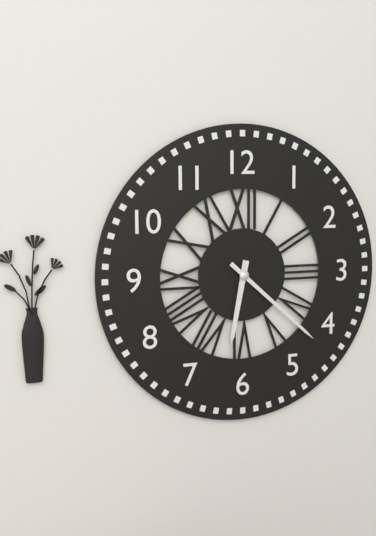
6:22
